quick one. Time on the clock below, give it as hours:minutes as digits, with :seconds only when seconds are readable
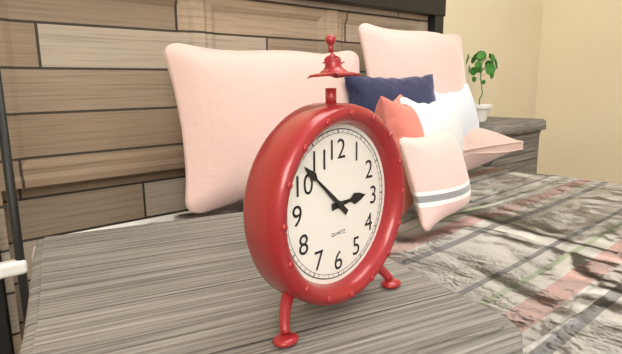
2:52
